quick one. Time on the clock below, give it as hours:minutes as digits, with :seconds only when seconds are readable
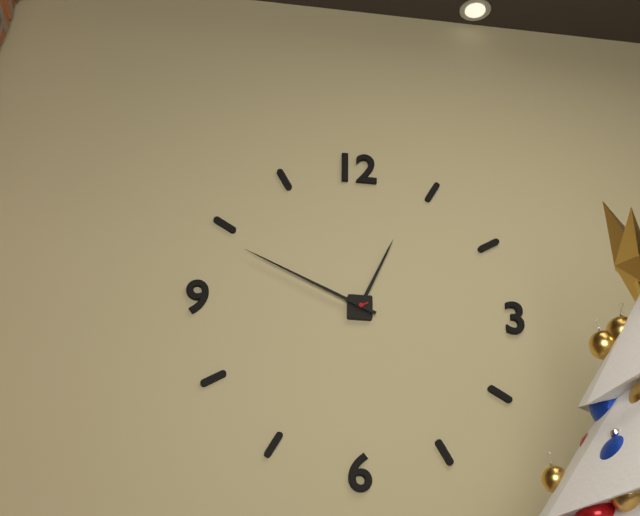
12:49
